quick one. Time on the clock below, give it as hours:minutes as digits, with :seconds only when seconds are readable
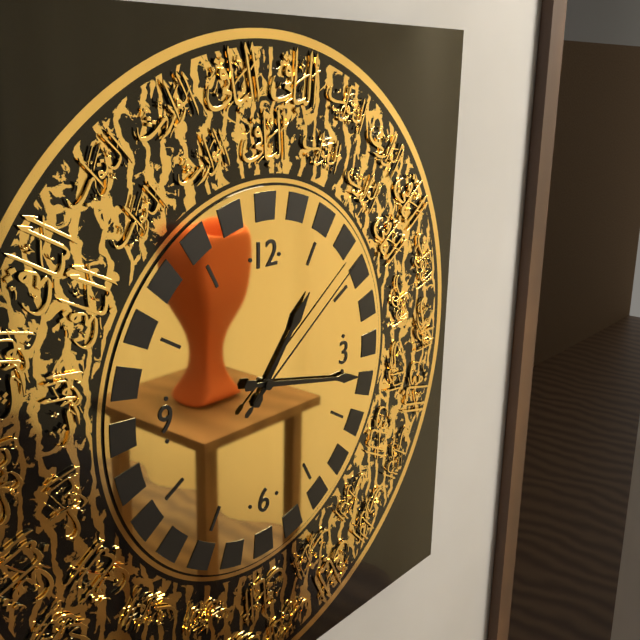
1:17:09
